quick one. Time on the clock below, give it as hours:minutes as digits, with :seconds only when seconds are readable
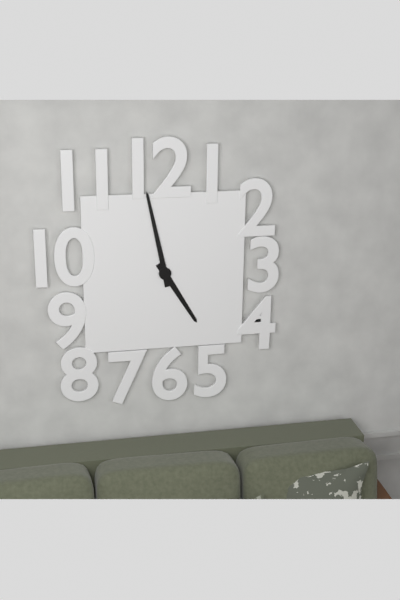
4:58
